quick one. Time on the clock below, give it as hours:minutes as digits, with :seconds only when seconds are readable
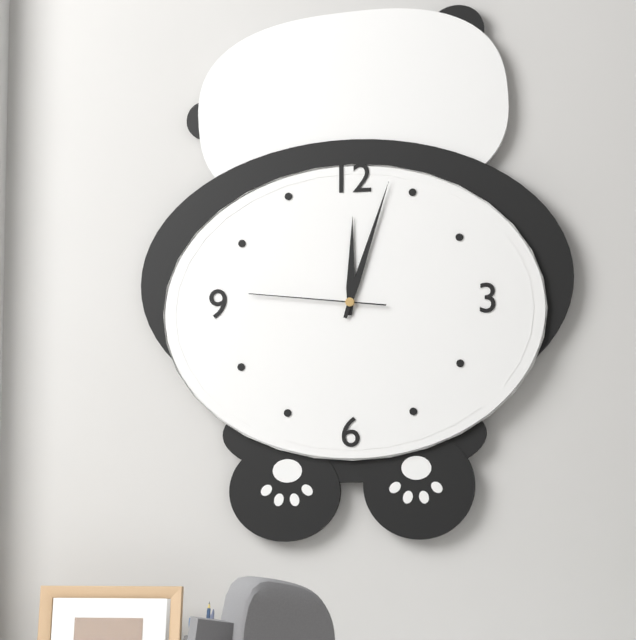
12:03:46
